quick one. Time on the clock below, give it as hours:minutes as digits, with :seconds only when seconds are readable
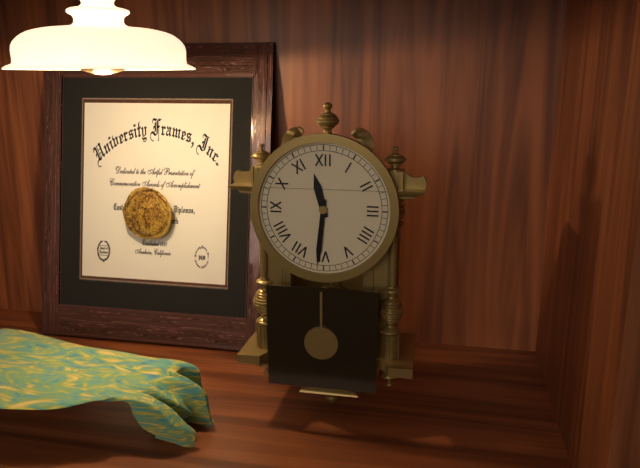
11:31
